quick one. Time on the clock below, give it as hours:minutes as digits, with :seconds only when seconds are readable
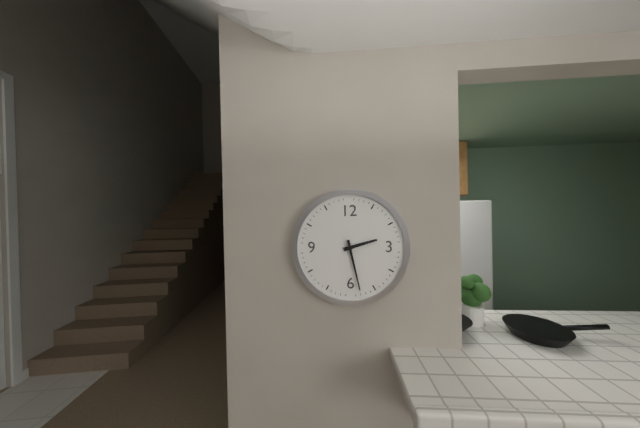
2:28
